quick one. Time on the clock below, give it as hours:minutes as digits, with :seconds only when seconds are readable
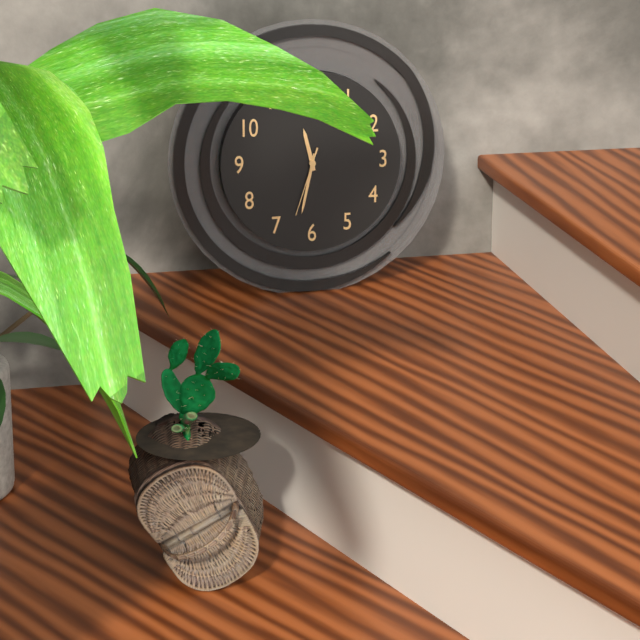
11:32:33
